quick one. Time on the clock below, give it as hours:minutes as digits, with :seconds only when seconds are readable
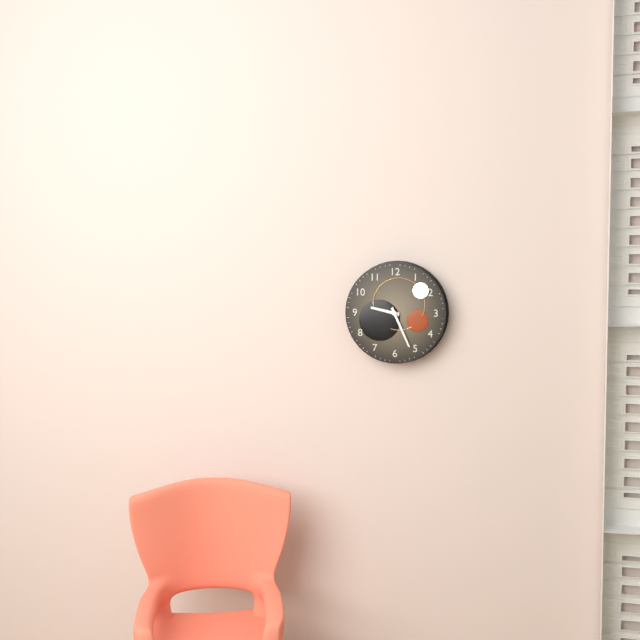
9:26
